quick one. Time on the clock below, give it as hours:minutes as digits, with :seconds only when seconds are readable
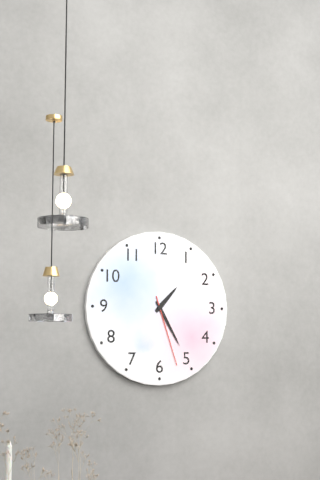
1:25:27
